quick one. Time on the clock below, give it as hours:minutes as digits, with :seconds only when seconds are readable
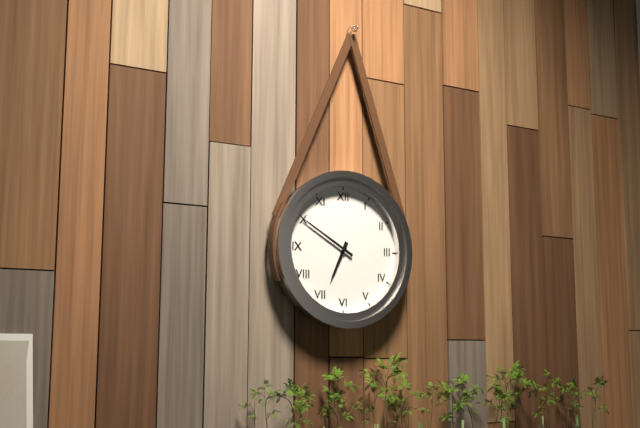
6:50
